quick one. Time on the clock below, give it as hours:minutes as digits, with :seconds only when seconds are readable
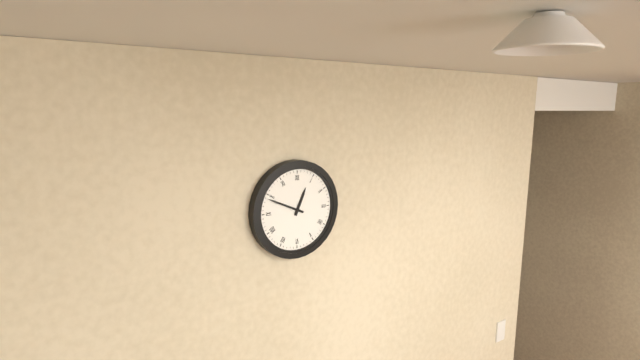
12:49
